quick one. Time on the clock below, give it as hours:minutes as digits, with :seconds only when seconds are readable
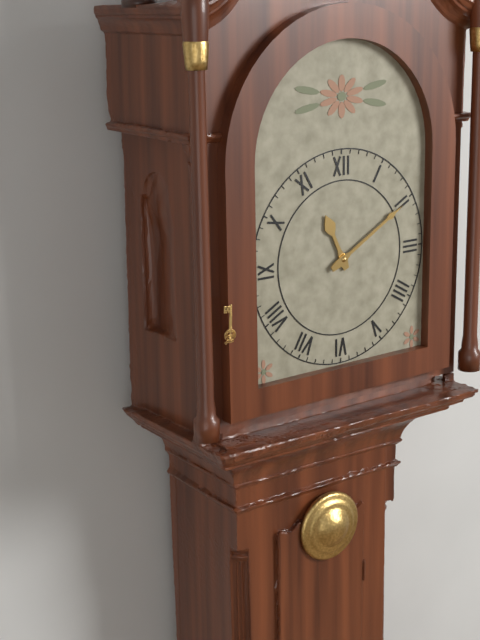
11:10
